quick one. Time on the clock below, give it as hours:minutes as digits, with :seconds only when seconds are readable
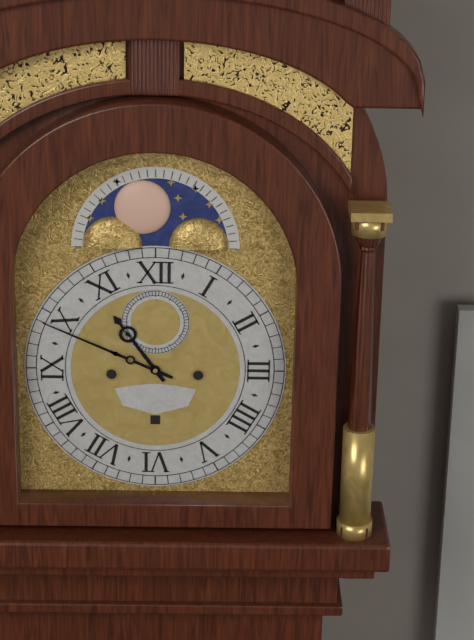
10:49
